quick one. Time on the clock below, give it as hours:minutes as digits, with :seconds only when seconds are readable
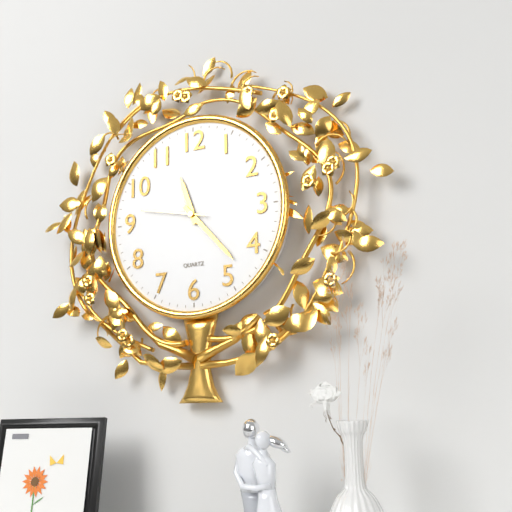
11:23:47
